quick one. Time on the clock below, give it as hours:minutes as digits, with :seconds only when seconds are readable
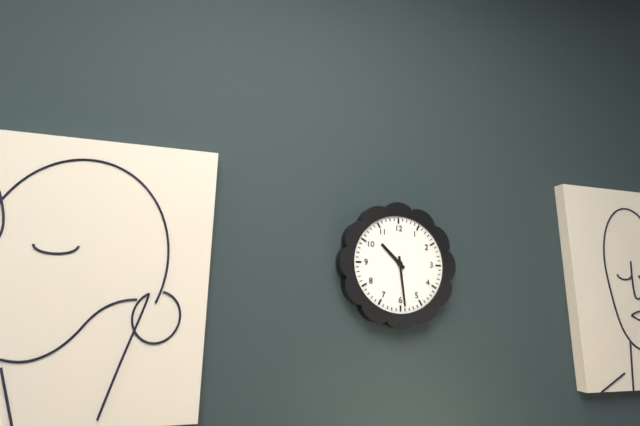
10:29
